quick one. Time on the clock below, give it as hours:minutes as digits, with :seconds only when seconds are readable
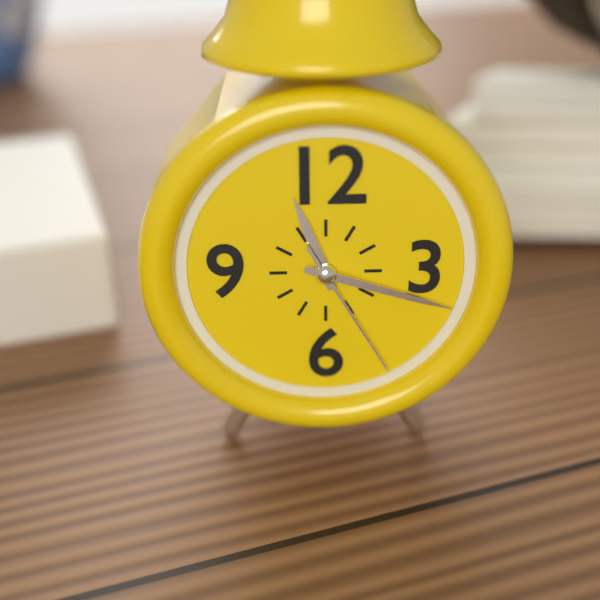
11:18:25
